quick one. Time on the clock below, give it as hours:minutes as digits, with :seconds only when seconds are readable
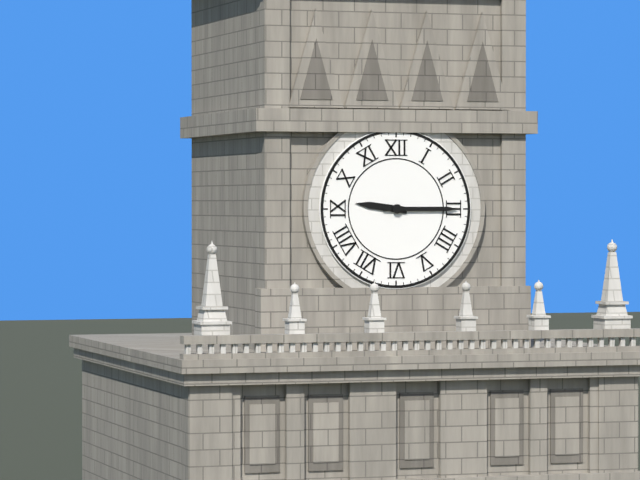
9:15
